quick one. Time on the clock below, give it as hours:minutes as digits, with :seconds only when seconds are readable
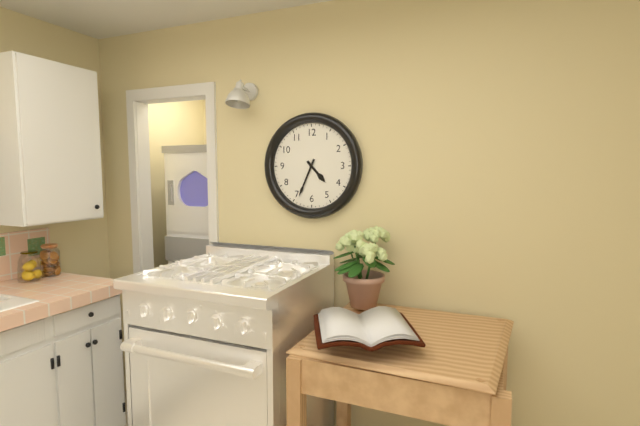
4:34
